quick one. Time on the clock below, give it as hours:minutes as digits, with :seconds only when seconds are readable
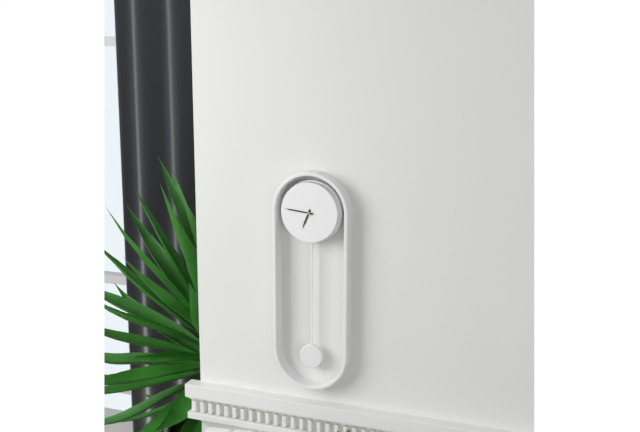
6:46
